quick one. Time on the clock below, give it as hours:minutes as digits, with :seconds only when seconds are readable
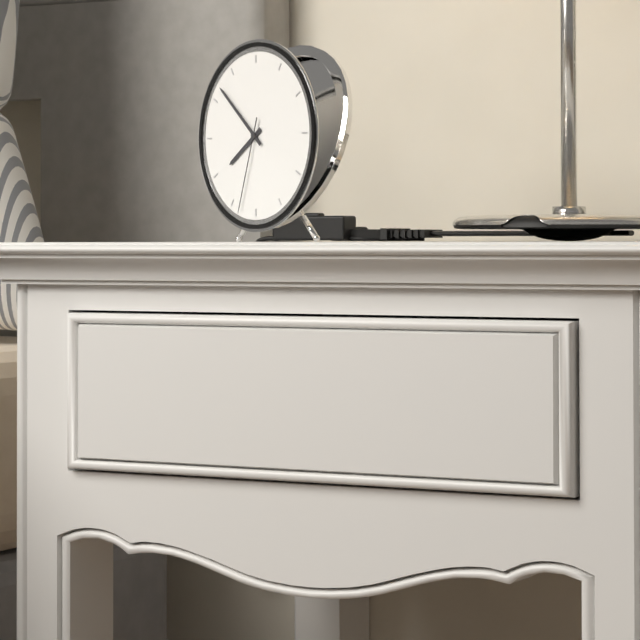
7:52:33
